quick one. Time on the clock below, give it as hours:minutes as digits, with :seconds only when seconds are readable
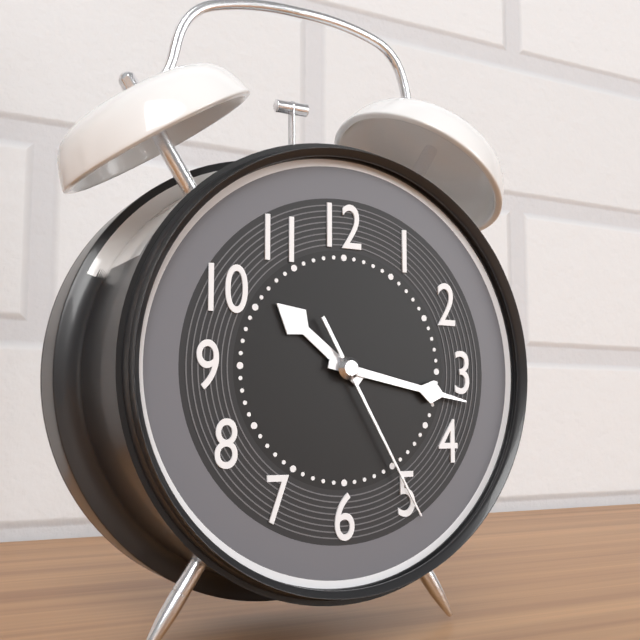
10:17:25
